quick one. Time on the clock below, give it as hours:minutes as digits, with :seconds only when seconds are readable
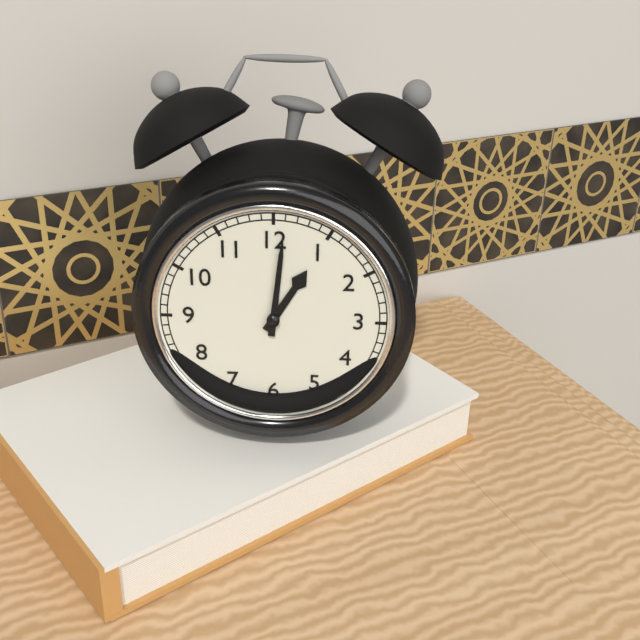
1:01
